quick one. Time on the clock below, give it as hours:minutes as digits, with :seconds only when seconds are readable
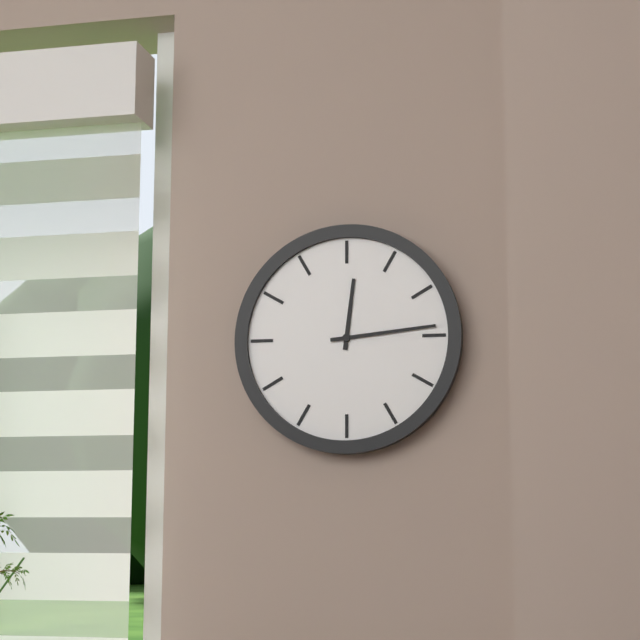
12:14
